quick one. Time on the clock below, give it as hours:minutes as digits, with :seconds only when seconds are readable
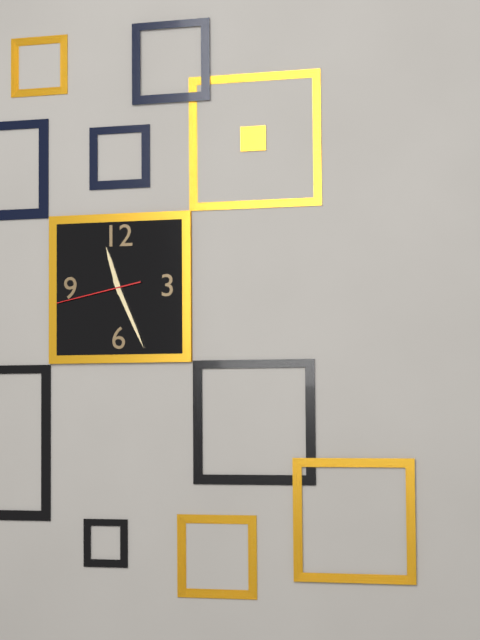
11:26:43
